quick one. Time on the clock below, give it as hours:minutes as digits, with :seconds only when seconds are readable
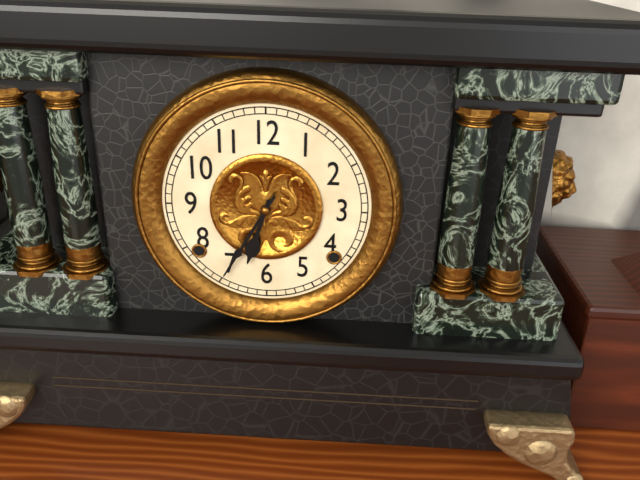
6:35
